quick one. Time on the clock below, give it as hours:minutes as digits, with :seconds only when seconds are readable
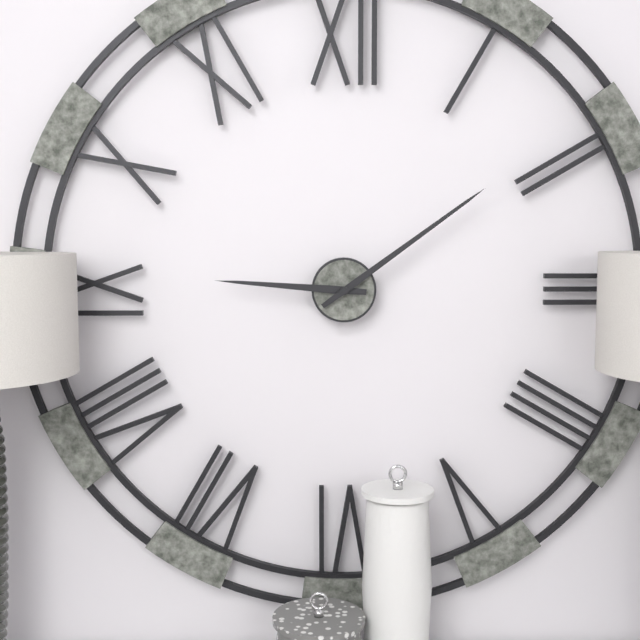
9:09
